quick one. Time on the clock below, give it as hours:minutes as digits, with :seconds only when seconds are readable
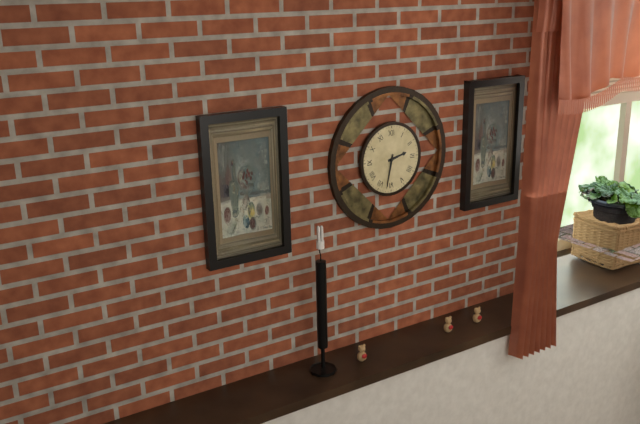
2:32
